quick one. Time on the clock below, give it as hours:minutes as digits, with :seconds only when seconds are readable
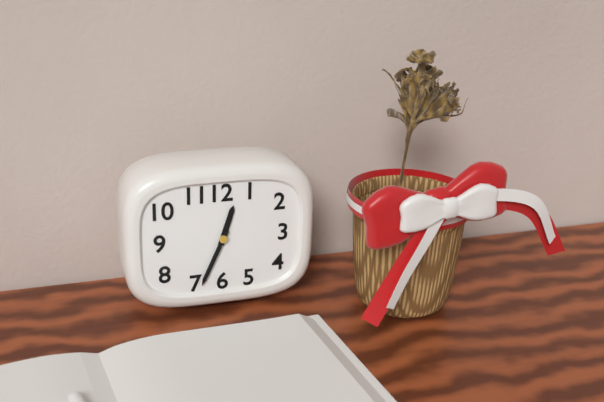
12:34
